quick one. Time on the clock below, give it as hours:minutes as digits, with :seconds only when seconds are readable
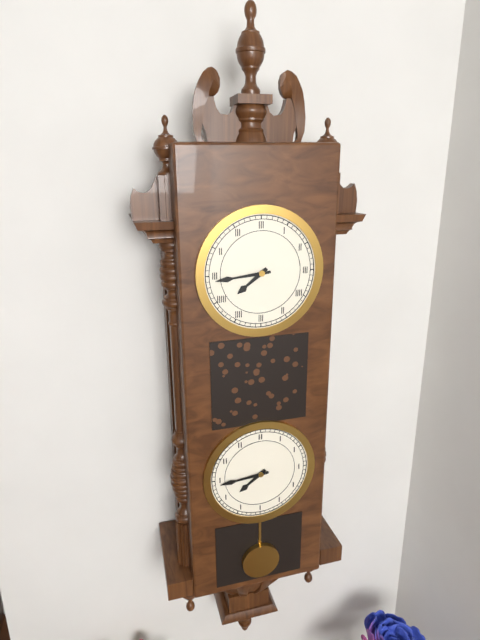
7:44
